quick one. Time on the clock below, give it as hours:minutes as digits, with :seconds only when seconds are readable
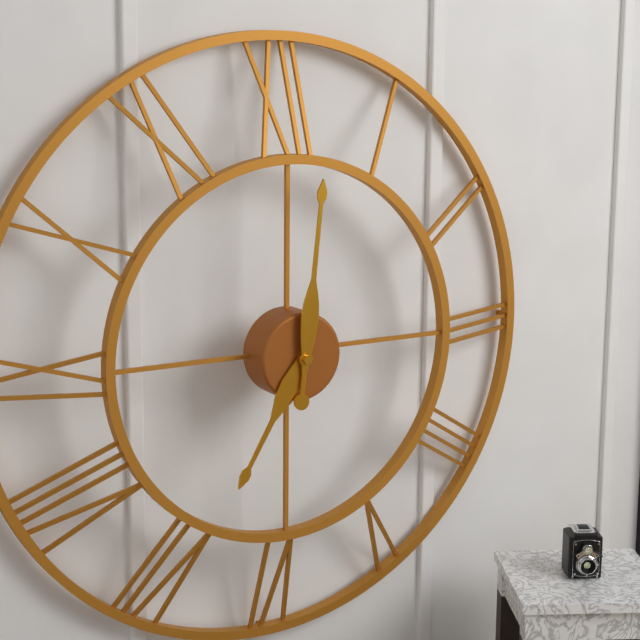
7:01
